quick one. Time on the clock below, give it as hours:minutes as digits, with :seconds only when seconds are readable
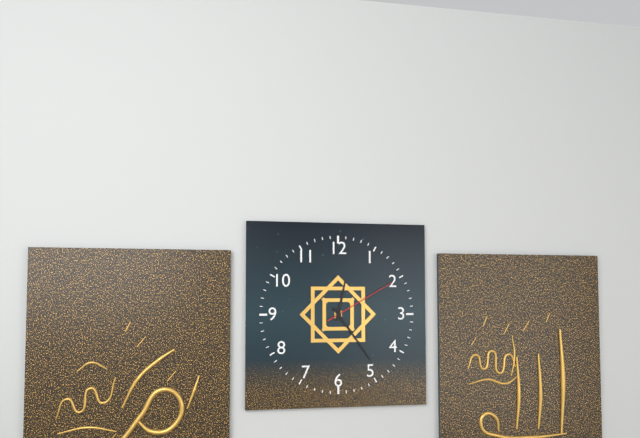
12:24:10
